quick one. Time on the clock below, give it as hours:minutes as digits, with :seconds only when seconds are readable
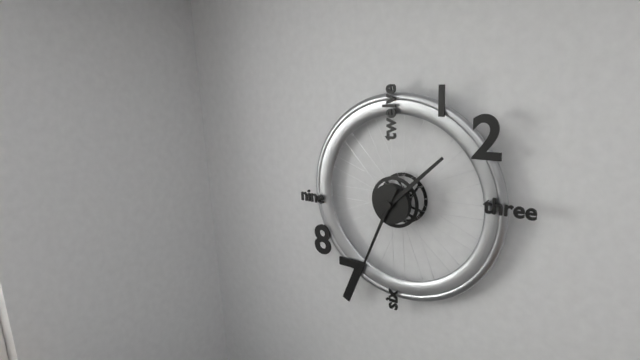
1:34
